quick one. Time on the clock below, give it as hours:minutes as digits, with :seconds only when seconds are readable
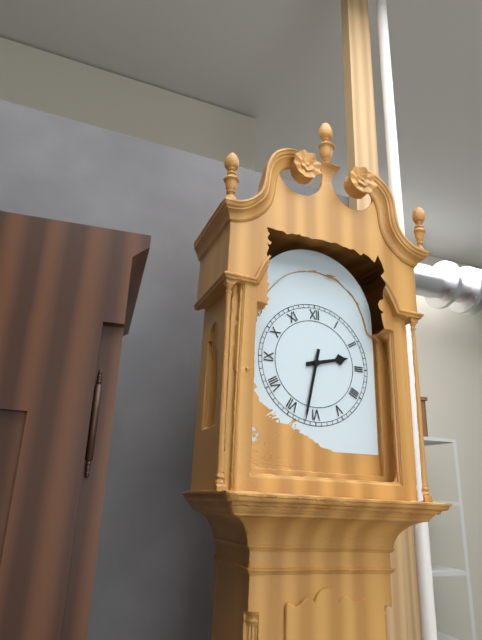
2:32
